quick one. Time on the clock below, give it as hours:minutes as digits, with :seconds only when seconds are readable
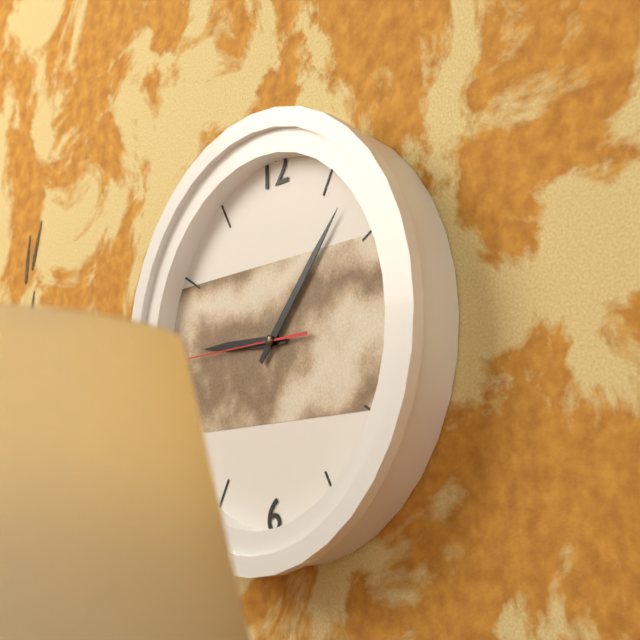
9:07:45
